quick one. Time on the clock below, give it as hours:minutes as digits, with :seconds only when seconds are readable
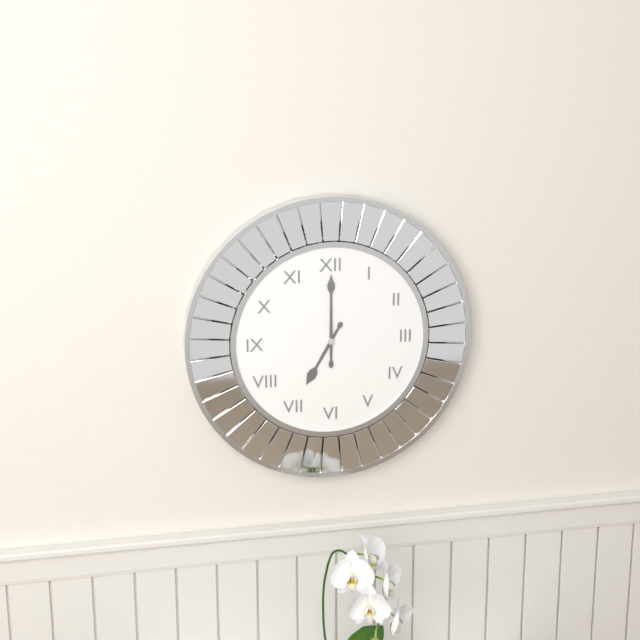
7:00
